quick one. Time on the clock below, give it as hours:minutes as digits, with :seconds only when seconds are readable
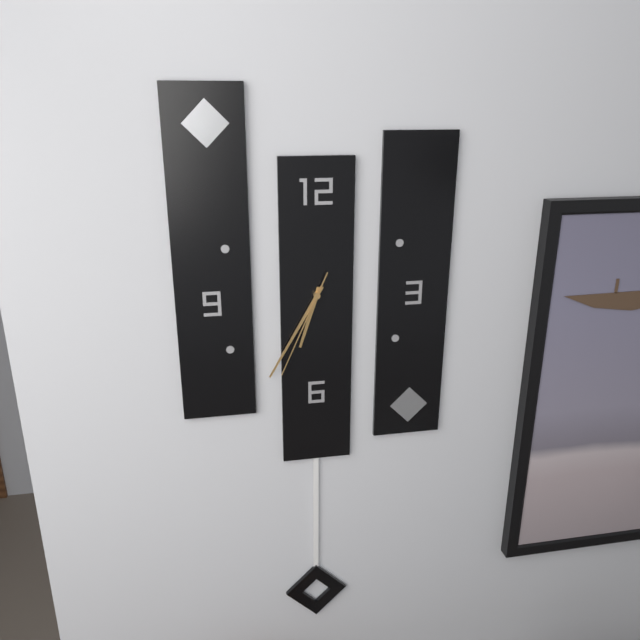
6:35:34
